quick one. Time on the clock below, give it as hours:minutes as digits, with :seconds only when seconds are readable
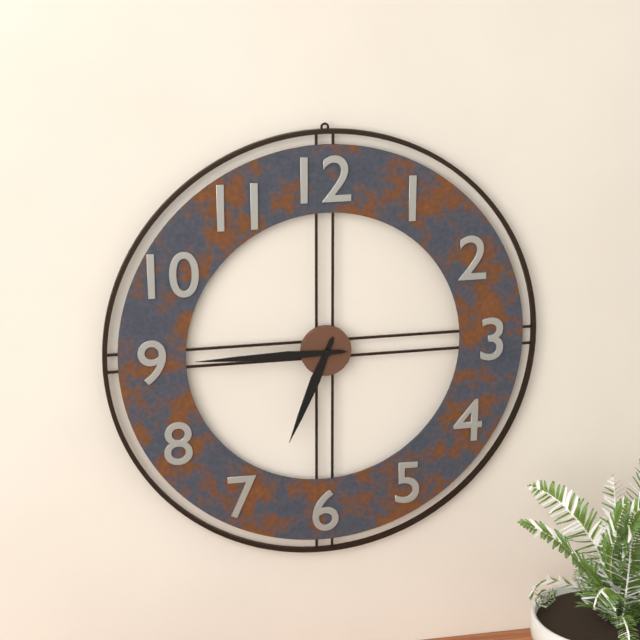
6:45
